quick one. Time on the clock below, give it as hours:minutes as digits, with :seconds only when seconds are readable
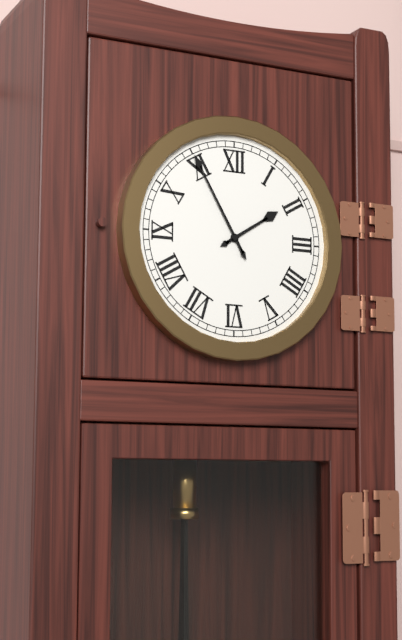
1:55
